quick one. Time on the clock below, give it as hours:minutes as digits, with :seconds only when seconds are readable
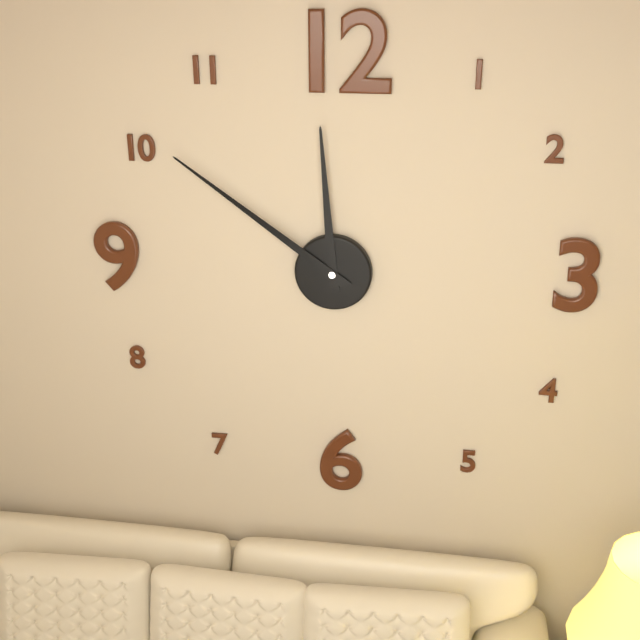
11:51
